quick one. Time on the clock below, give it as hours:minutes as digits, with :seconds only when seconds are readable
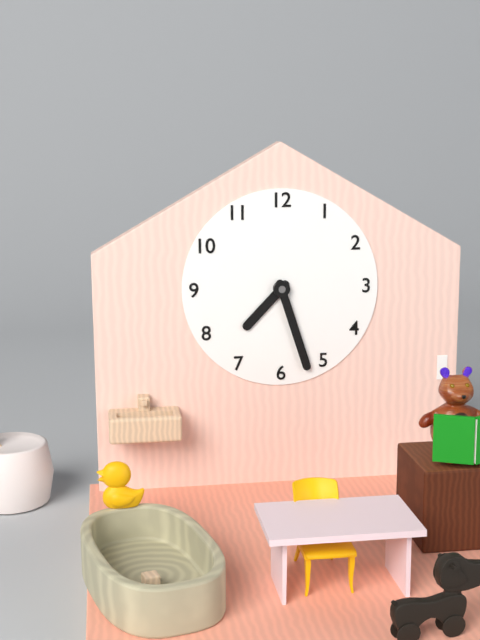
7:27
